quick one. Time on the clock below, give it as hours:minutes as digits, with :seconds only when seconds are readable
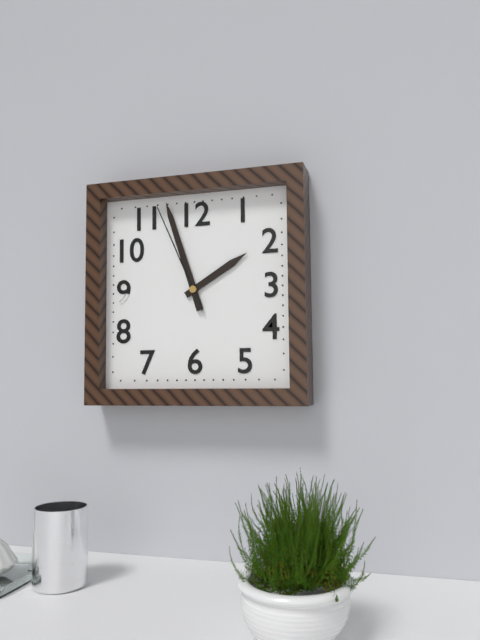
1:57:56
